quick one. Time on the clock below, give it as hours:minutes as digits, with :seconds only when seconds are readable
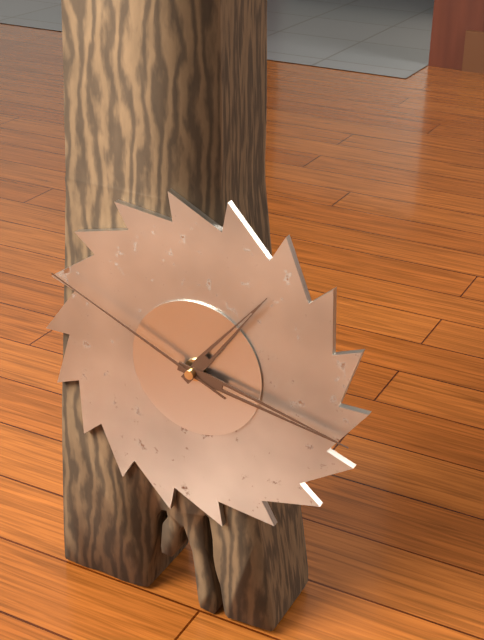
1:17:49
